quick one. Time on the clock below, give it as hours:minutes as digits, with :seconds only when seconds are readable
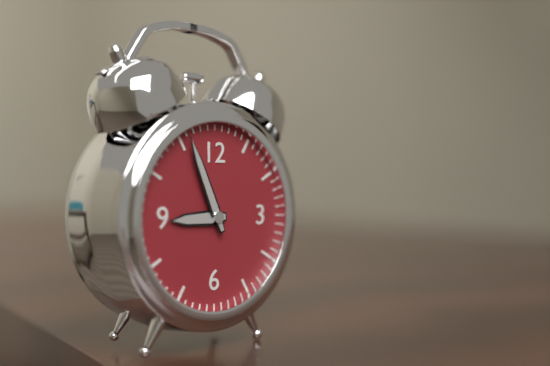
8:56
